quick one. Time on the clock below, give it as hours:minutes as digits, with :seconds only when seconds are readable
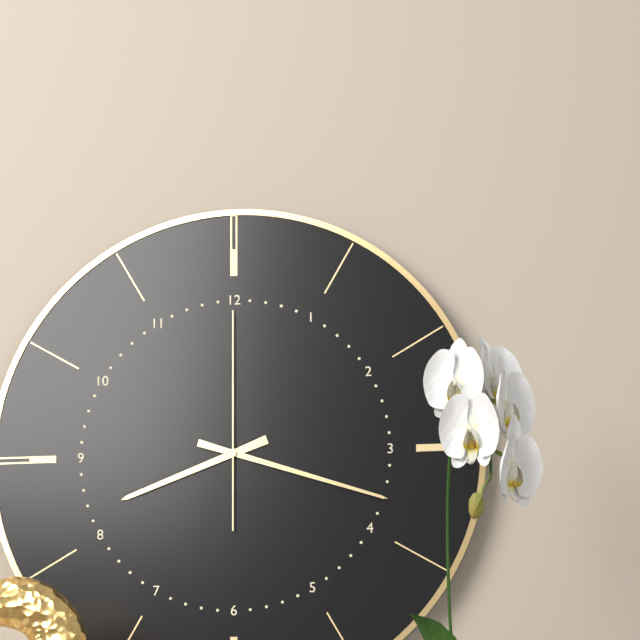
8:18:00
